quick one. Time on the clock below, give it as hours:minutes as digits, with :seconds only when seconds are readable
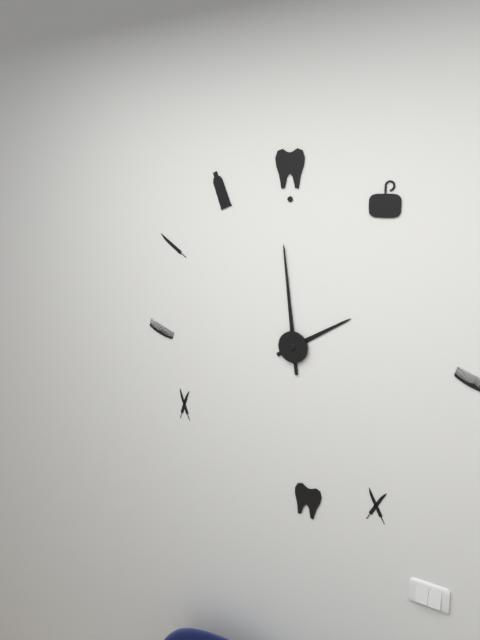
1:59
